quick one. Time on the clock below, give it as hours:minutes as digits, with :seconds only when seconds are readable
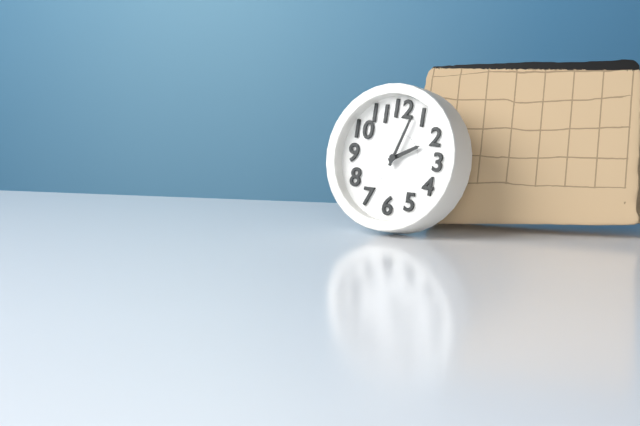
2:03
